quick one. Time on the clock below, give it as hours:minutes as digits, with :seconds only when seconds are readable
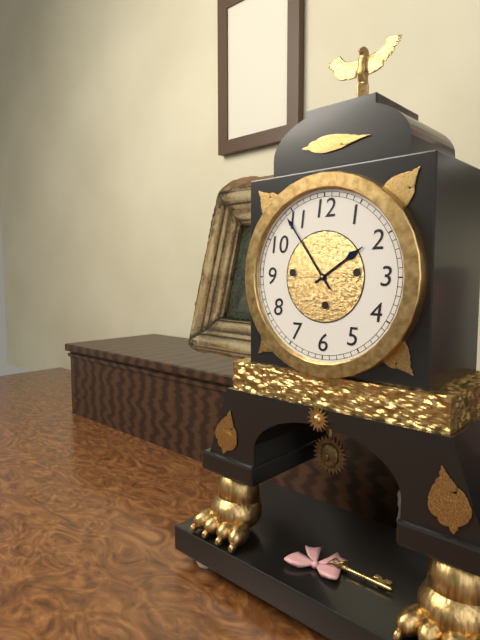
1:54
